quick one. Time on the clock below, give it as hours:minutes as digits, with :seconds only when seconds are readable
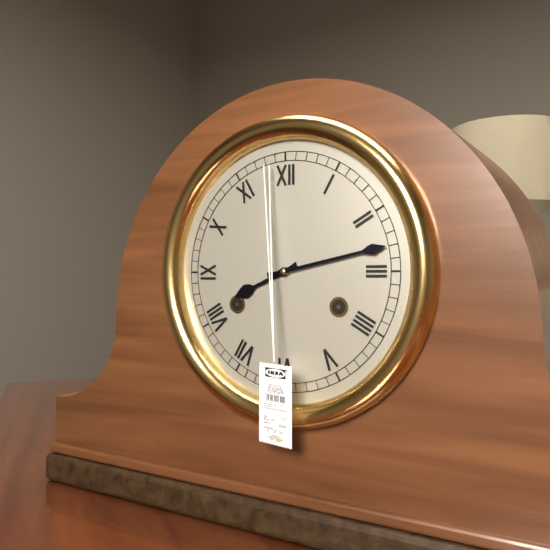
8:13
